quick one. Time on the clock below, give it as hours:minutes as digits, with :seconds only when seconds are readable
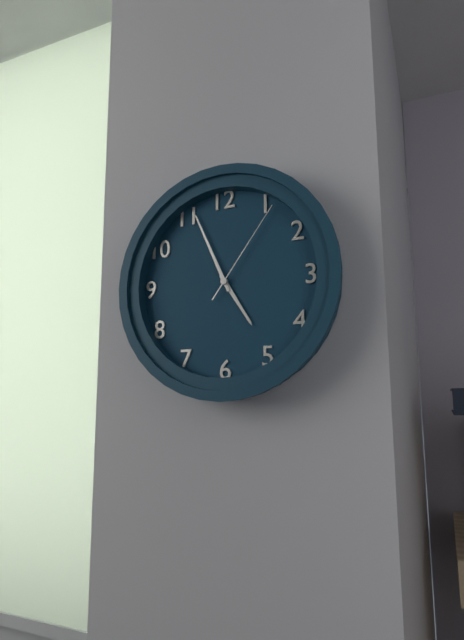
4:56:06
